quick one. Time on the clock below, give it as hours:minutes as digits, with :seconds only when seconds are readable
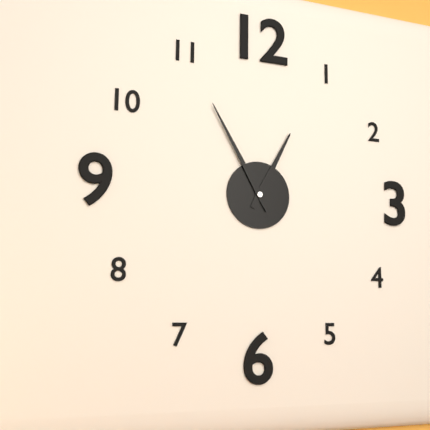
12:55
